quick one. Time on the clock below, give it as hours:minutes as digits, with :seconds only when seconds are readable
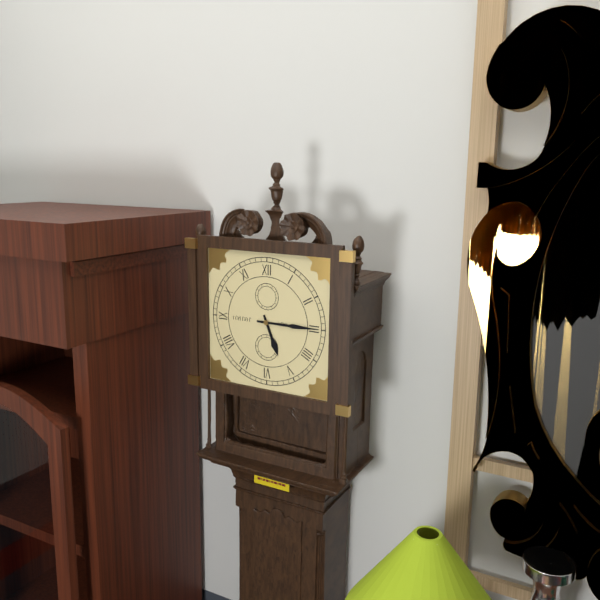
5:15
